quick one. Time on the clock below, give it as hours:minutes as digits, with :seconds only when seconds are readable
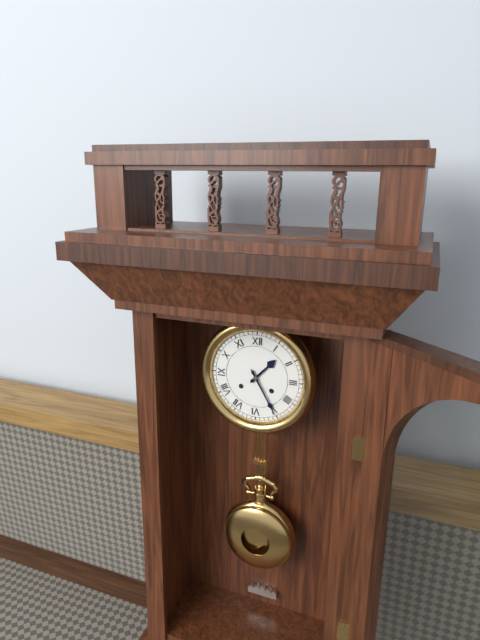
1:25
